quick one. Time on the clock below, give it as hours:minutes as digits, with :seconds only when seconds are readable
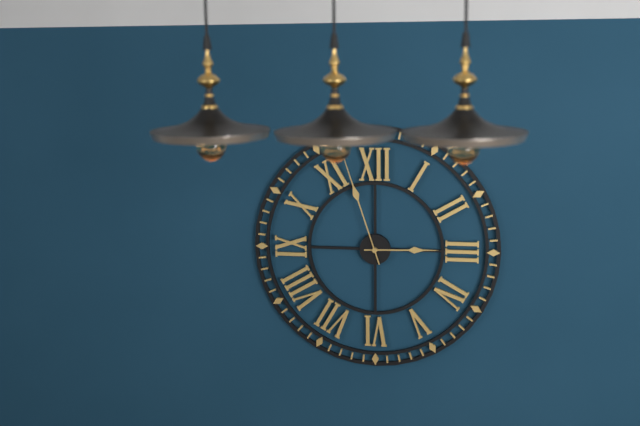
2:57
